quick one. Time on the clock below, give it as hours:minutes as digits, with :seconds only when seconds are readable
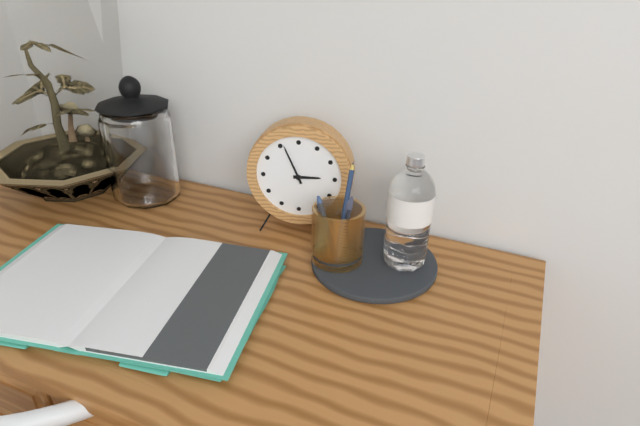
2:56
